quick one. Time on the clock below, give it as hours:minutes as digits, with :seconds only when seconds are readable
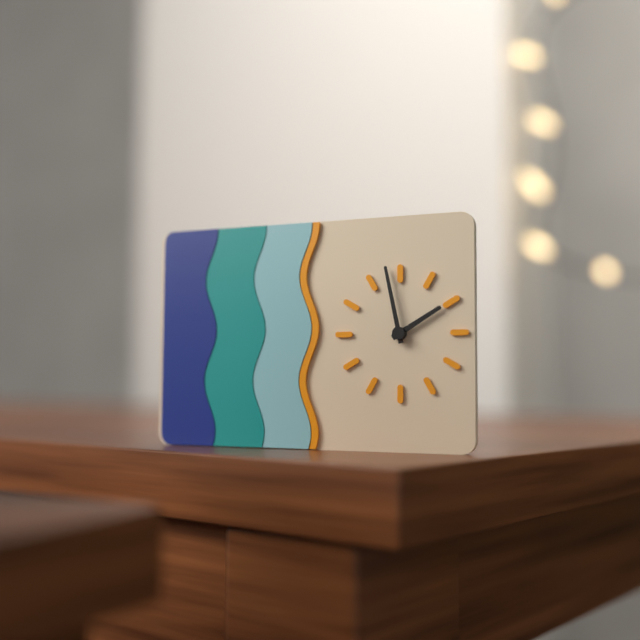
1:58
